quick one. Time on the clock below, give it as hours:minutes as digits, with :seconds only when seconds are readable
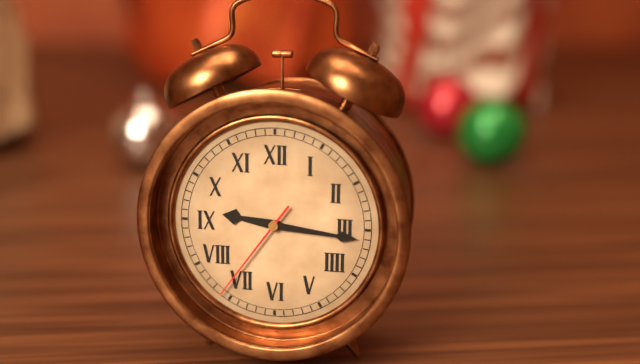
9:16:36
